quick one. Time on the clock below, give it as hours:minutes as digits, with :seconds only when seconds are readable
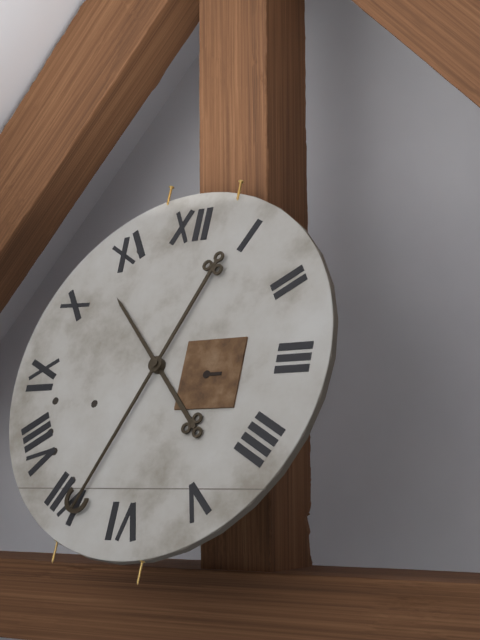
10:34
